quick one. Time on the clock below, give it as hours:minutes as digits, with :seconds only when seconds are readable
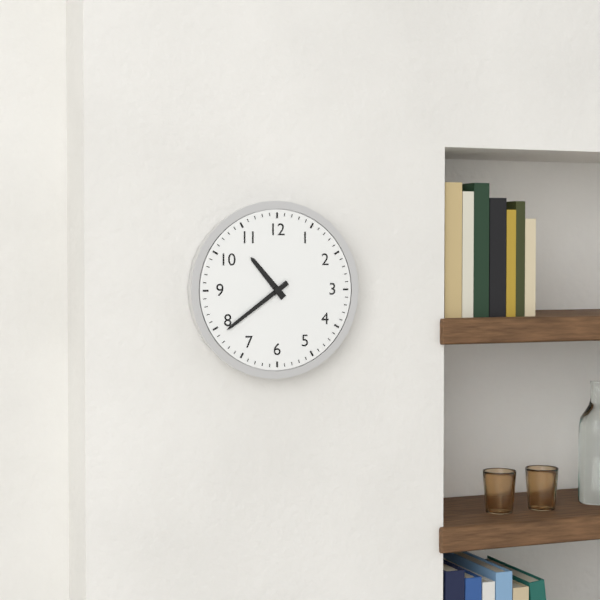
10:39
